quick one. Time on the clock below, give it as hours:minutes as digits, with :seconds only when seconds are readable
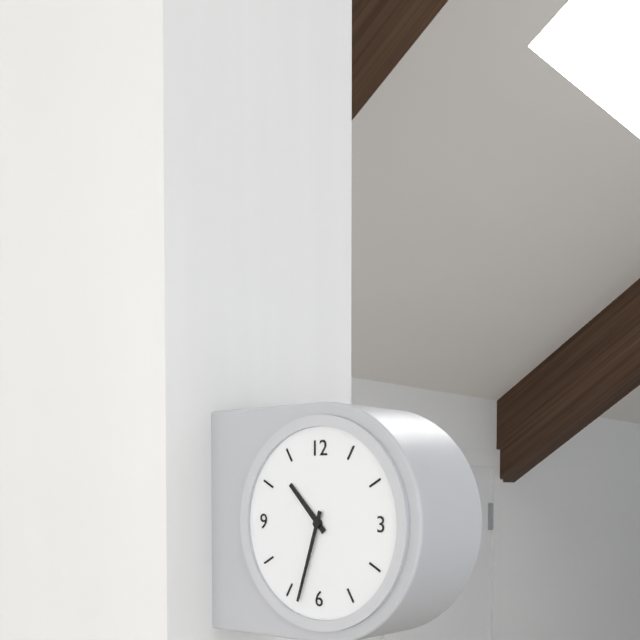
10:33
